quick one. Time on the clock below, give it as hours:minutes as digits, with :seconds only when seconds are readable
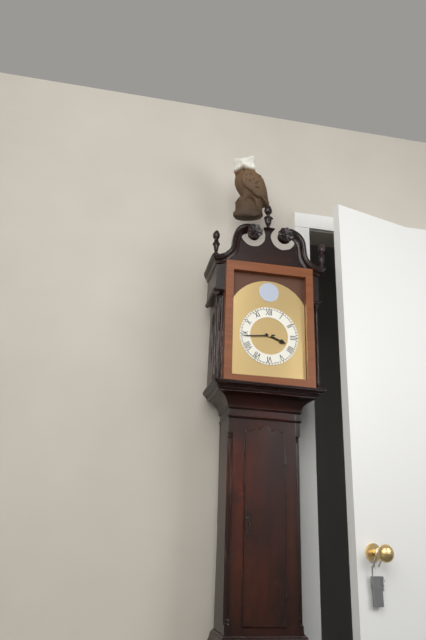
3:44
